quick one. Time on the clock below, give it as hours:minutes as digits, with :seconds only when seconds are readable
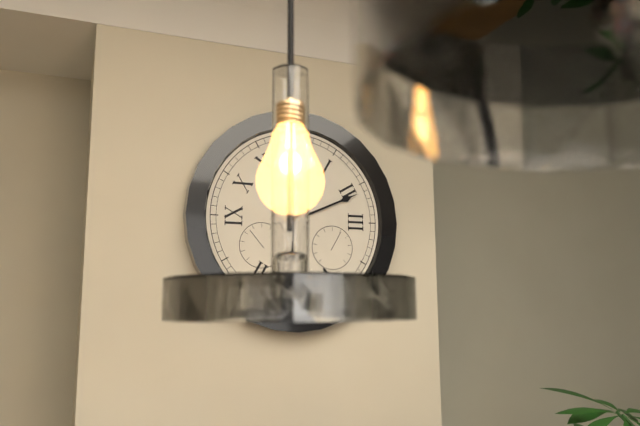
6:11
